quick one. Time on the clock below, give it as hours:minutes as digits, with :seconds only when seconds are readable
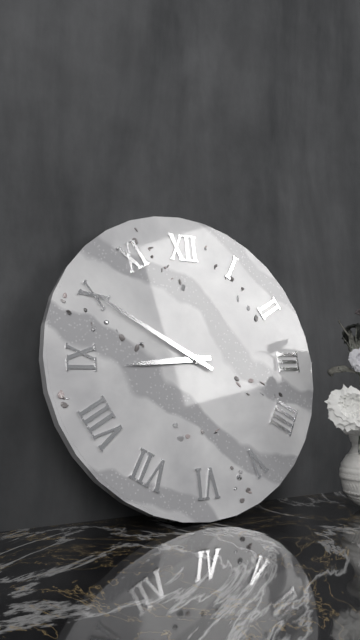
8:50
